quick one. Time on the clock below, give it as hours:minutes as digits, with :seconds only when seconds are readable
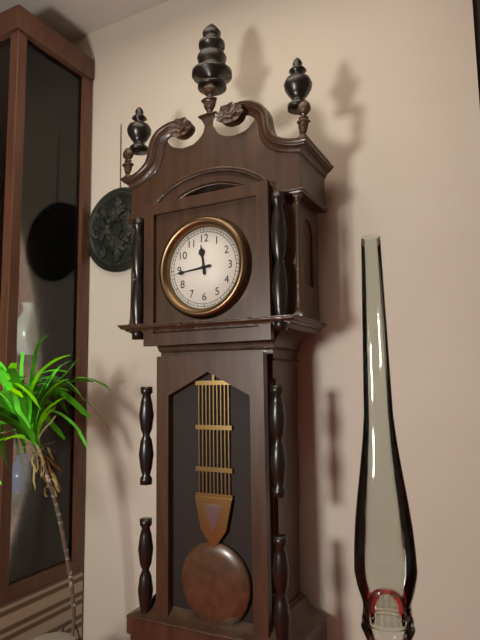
11:44
